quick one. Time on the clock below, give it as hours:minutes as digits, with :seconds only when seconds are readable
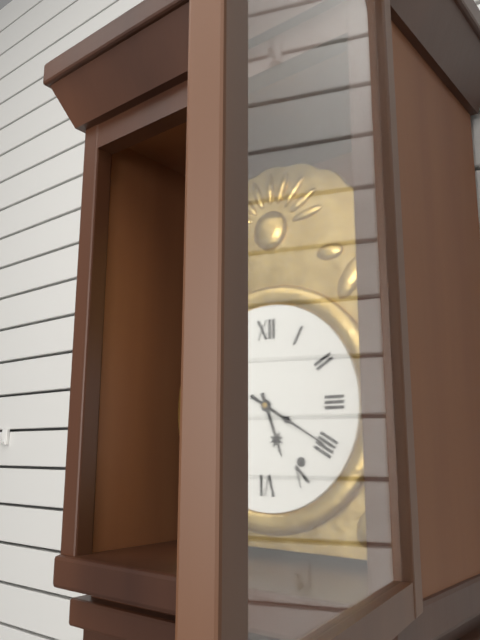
5:20
